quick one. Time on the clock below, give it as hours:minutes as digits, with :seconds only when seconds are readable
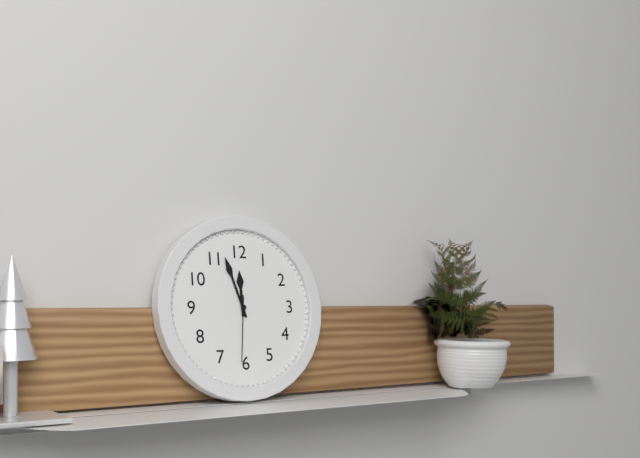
11:57:31
